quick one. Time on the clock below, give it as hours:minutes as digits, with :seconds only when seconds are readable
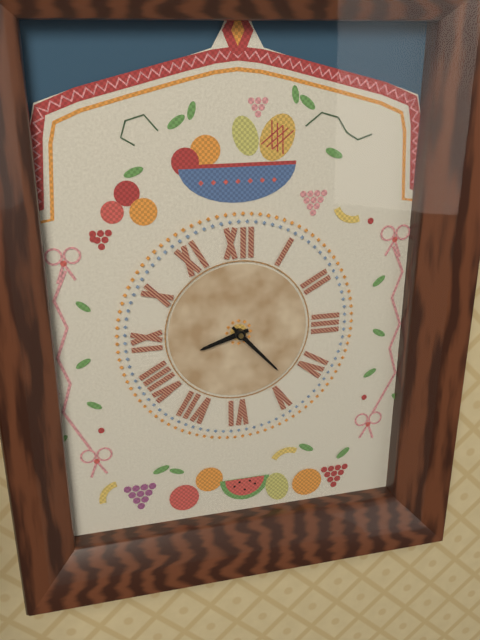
8:23
